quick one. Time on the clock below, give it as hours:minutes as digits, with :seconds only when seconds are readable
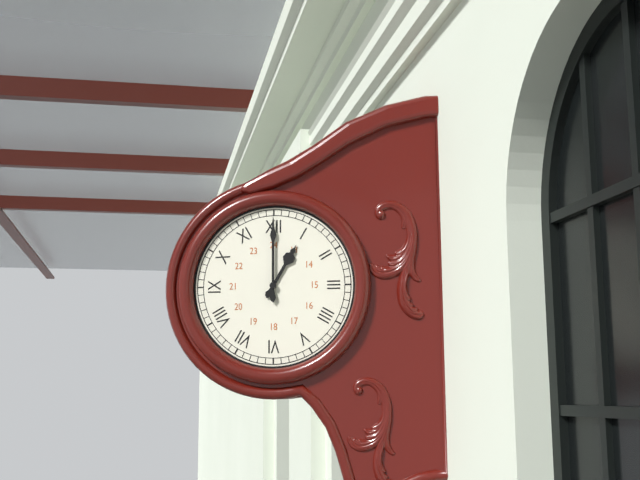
1:00
